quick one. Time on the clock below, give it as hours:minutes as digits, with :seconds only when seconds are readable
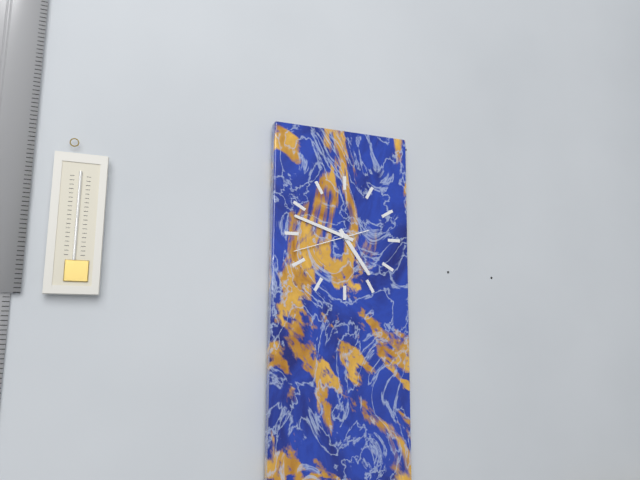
4:48:42
